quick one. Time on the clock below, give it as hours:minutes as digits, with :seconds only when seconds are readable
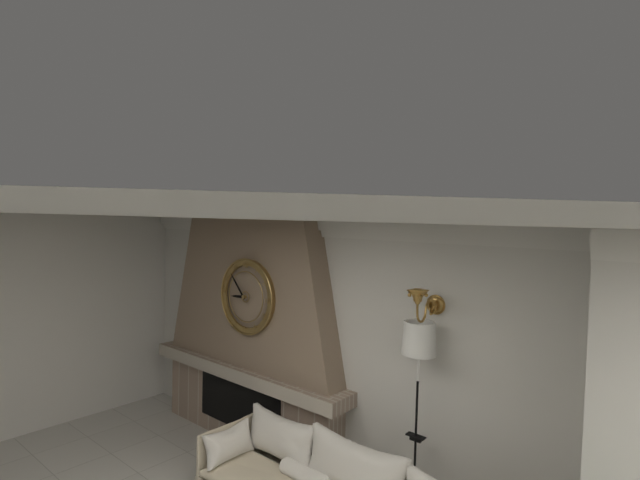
8:53
